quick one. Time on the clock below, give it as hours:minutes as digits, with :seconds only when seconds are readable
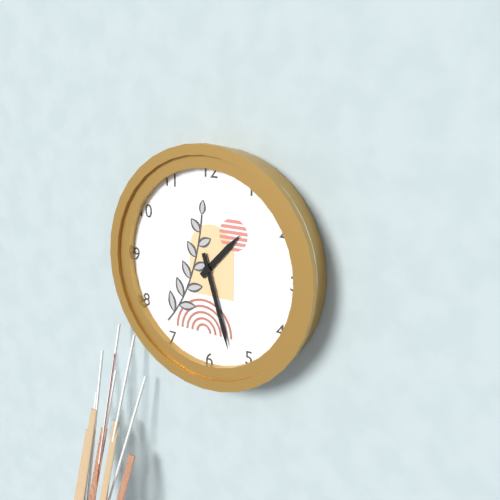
1:27
